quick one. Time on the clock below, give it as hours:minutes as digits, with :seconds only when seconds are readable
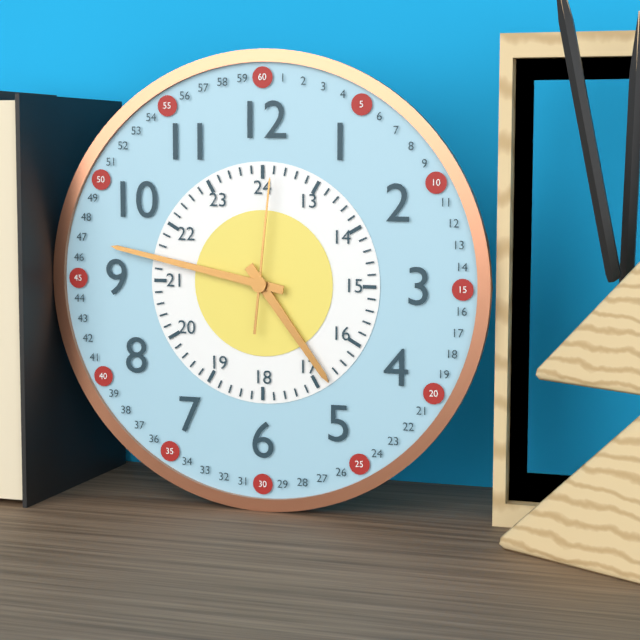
4:47:01
